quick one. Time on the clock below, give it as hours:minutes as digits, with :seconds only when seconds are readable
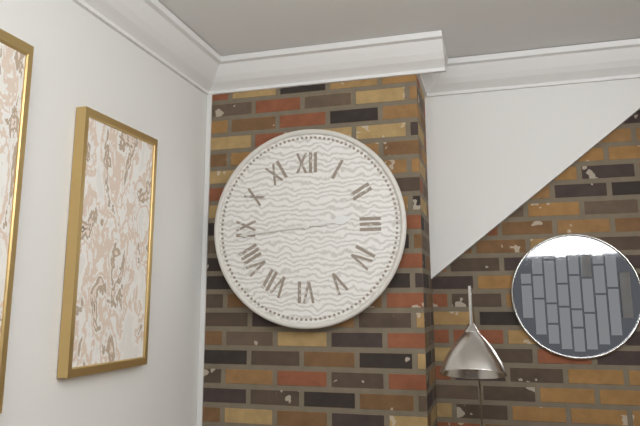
2:44
